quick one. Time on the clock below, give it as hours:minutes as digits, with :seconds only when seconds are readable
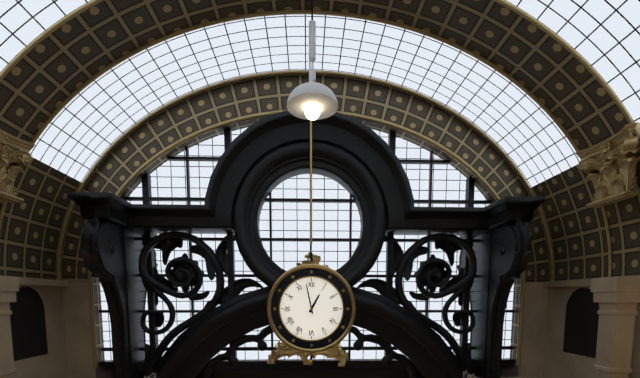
12:58
